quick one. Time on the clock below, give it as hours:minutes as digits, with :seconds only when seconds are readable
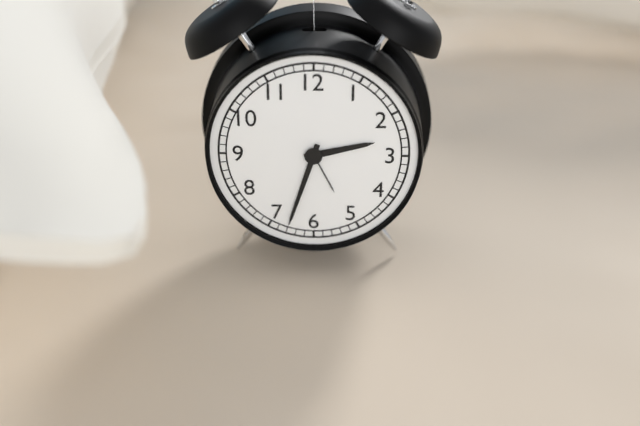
2:33
